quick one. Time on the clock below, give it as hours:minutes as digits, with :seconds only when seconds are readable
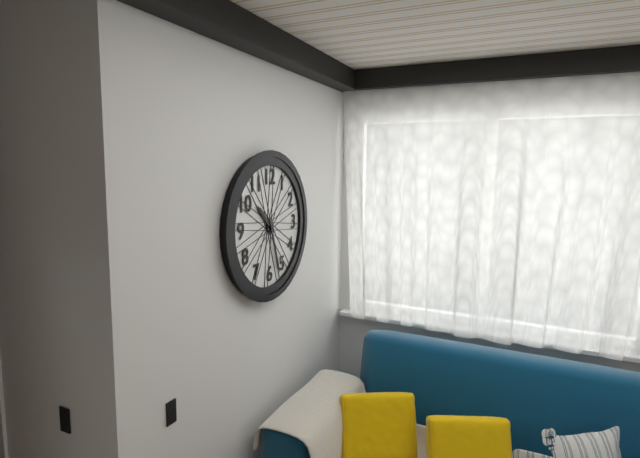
10:27
